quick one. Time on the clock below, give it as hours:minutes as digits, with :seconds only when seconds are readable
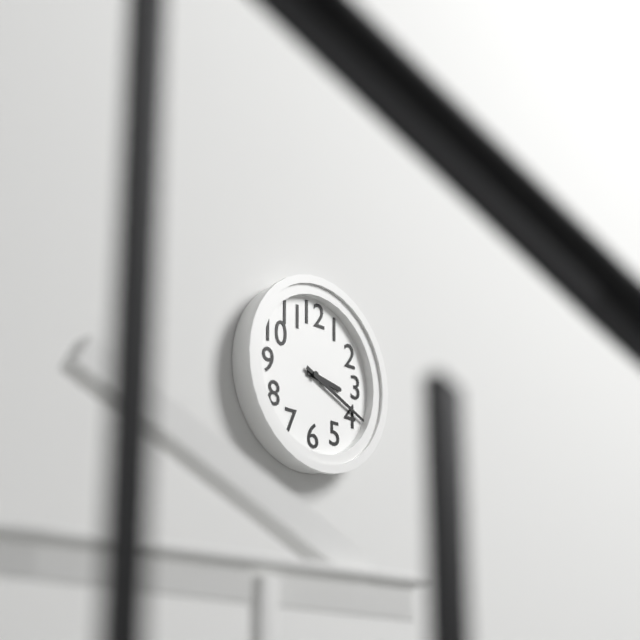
3:19
